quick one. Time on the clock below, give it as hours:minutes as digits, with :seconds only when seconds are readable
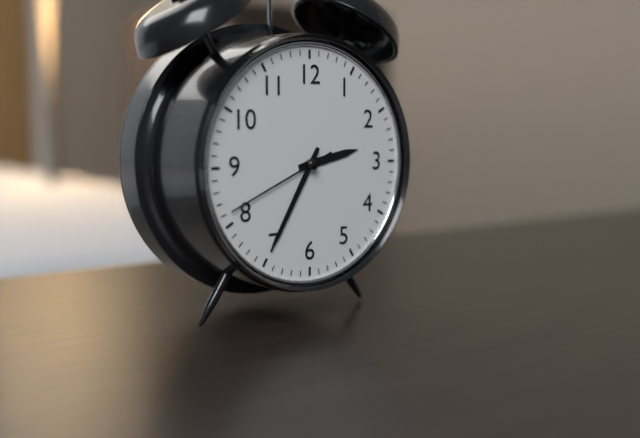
2:35:41
